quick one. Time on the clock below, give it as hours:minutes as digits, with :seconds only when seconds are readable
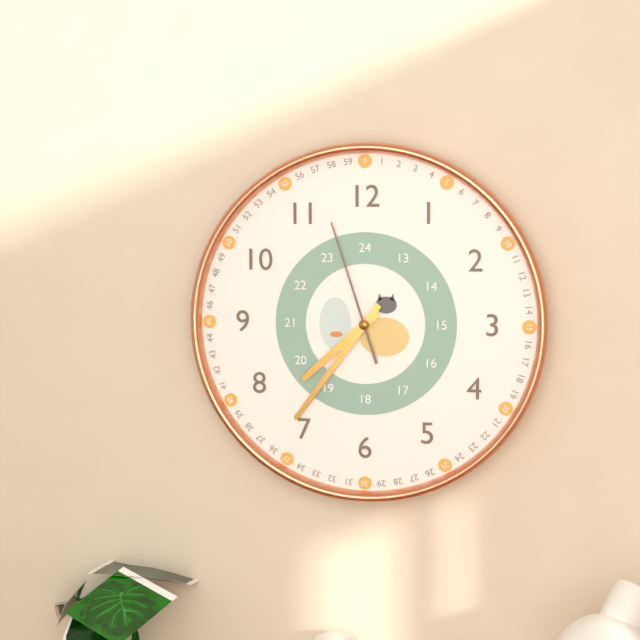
7:36:57
